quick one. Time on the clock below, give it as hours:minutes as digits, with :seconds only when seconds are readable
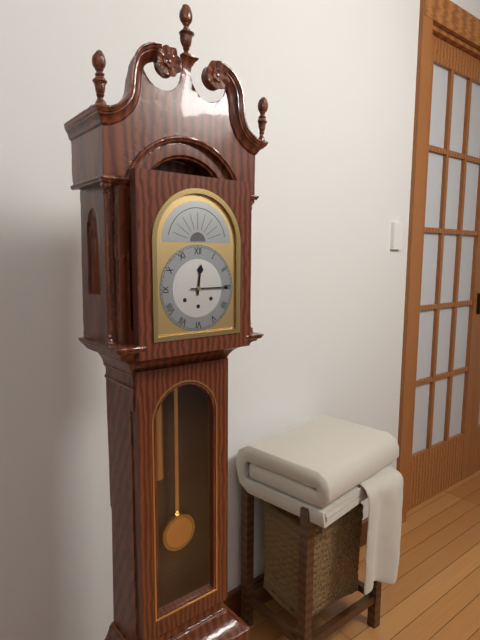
12:15
